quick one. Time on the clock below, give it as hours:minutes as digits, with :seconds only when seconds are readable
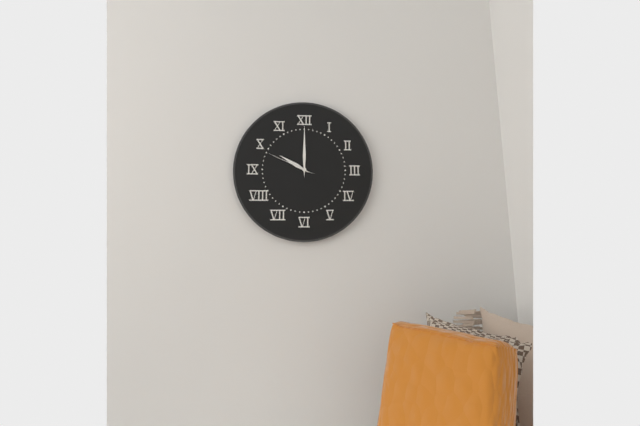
10:00:49
